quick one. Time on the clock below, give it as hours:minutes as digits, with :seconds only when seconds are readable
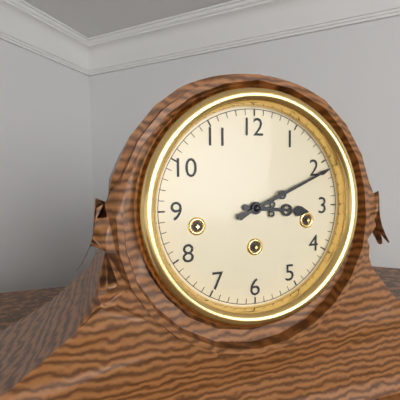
3:11
